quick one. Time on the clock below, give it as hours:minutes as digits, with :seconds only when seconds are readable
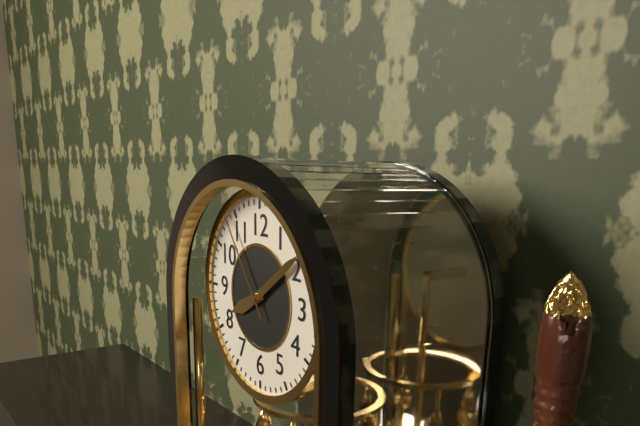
8:09:54
